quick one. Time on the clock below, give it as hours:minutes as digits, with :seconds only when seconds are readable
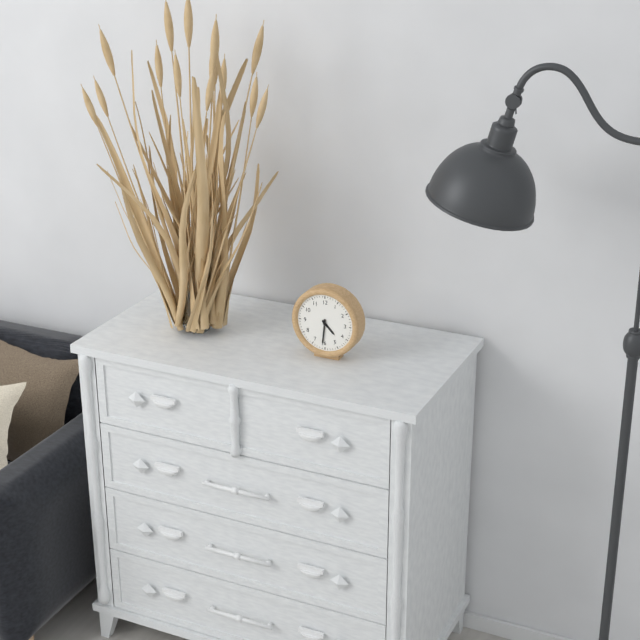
4:31
